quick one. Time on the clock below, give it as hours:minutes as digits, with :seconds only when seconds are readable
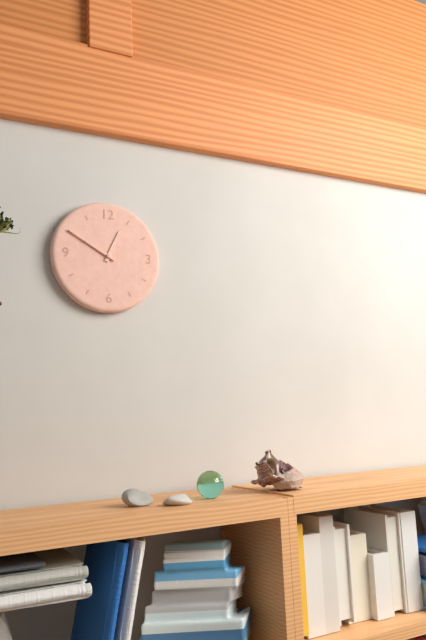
12:50
